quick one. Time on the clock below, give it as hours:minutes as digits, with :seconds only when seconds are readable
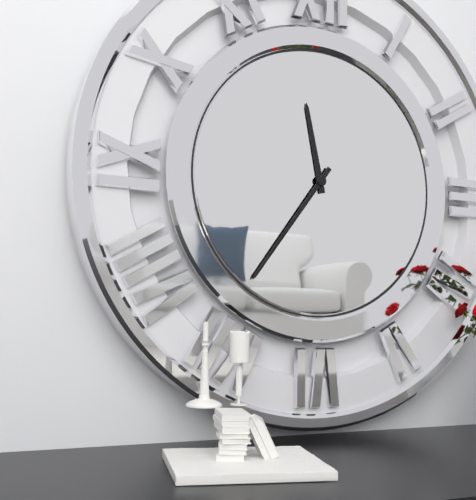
11:36
